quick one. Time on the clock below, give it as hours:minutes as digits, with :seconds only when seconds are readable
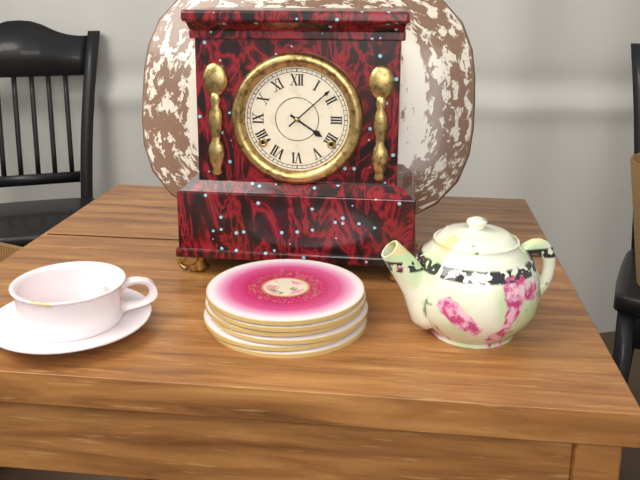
4:08
